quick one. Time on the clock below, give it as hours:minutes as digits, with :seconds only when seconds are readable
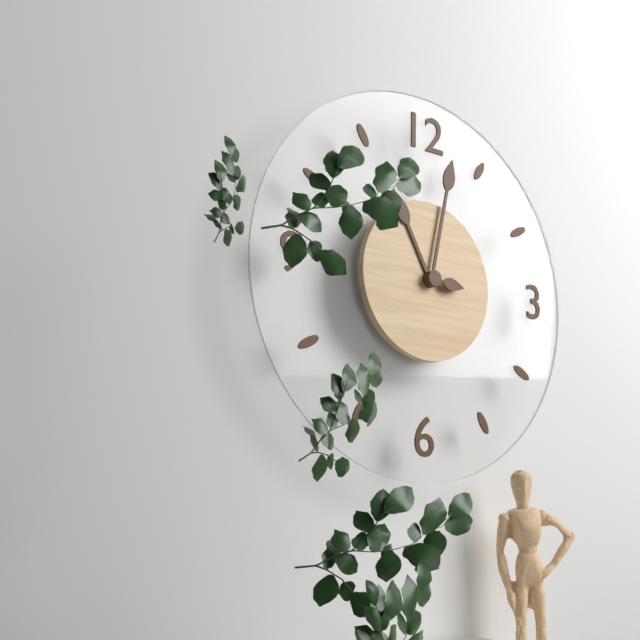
11:02:16
